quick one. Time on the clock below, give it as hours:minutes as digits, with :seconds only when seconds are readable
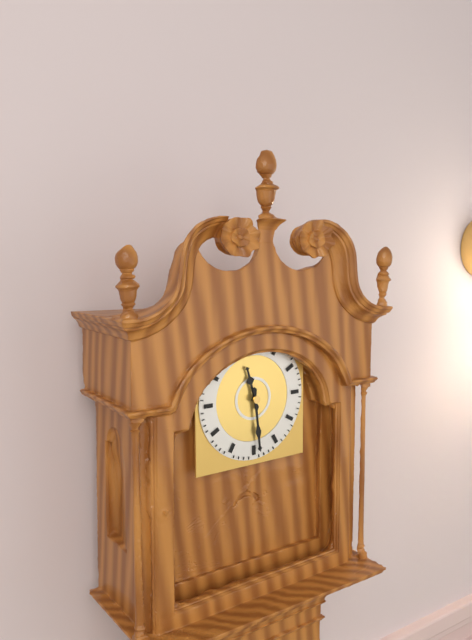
11:29
